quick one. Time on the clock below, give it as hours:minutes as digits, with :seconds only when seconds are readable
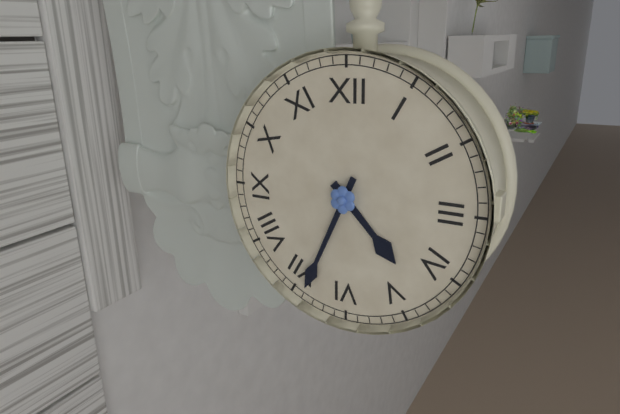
4:34
